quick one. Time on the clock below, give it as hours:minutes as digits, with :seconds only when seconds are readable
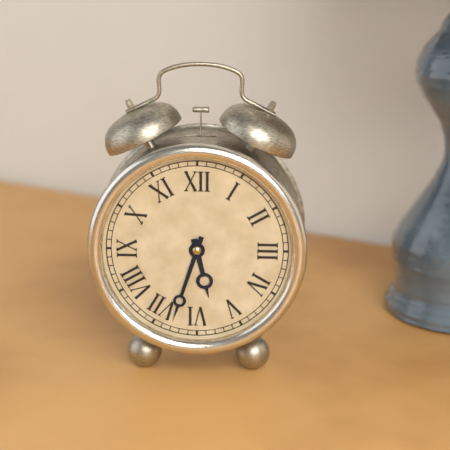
5:33
